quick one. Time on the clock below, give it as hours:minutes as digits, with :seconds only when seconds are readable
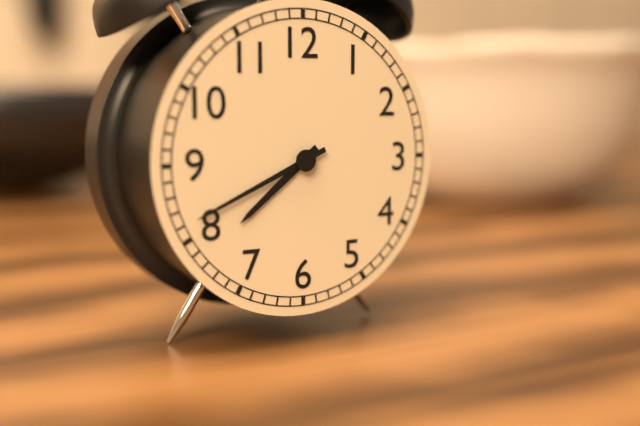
7:41
